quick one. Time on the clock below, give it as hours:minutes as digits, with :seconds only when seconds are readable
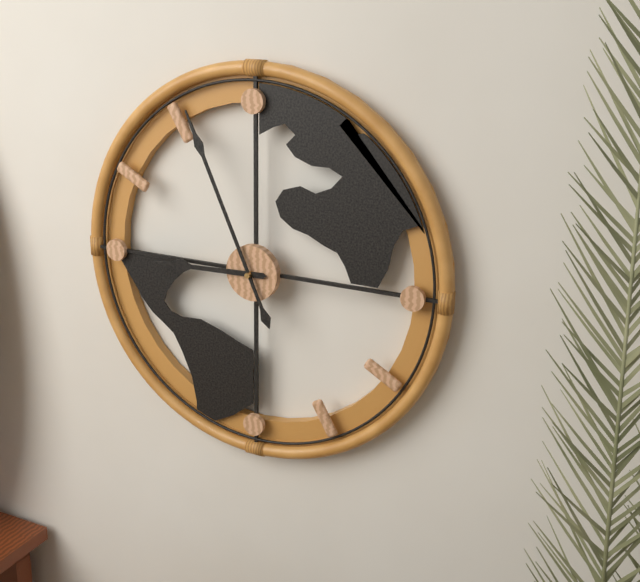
8:56
